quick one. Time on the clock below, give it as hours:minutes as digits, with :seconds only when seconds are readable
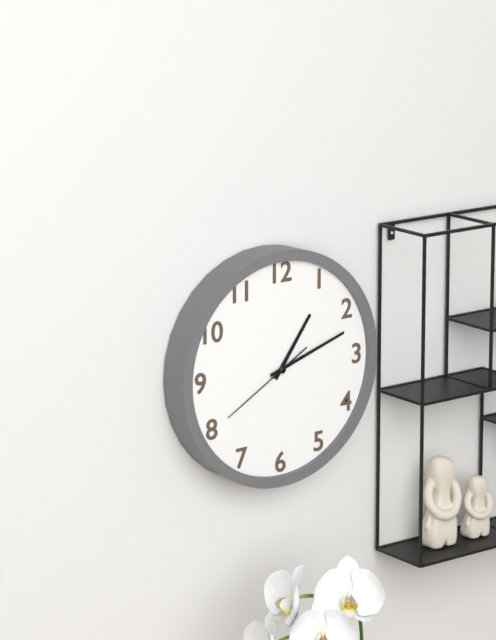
1:12:40
